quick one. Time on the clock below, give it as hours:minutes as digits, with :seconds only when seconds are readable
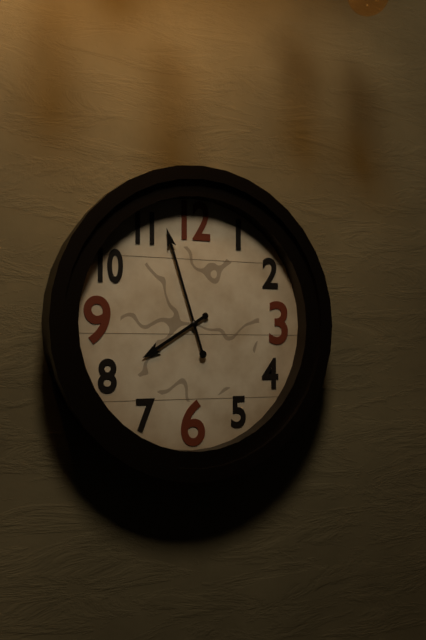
7:57
